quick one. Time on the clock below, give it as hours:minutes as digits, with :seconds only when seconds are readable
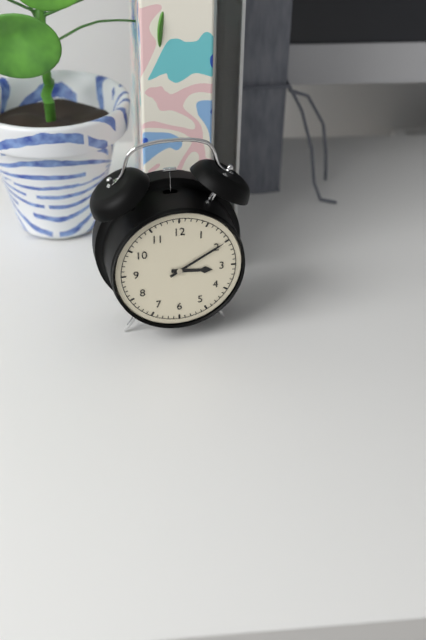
3:10
